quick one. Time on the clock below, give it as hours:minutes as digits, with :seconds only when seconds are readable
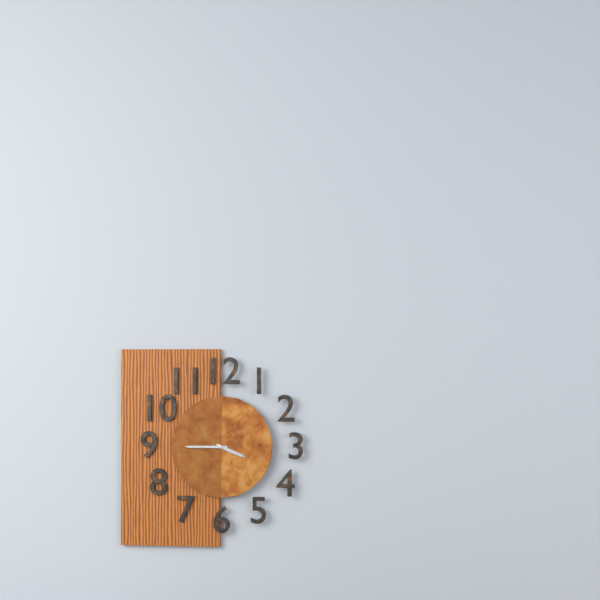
3:45
